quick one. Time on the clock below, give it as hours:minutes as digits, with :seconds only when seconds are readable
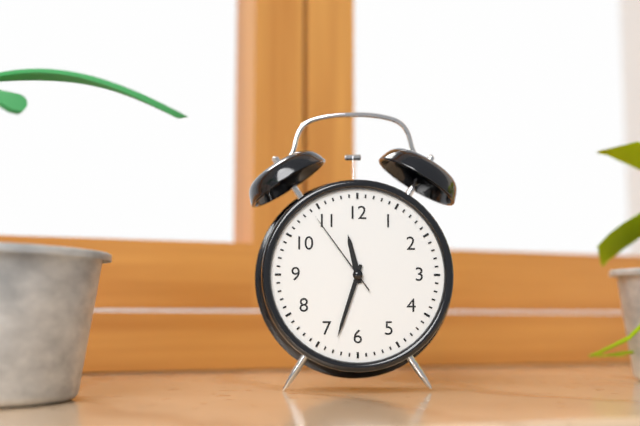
11:33:54
